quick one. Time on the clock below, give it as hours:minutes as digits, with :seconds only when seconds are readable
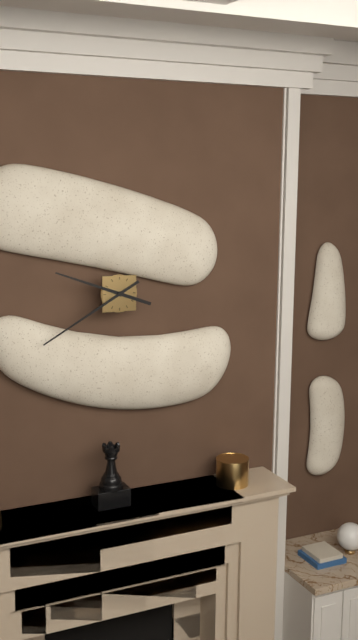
9:40
